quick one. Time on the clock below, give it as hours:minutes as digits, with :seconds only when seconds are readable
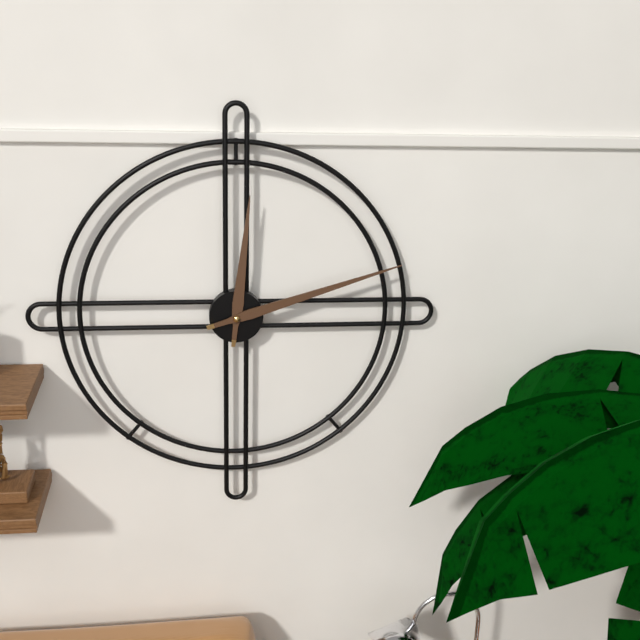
12:12
